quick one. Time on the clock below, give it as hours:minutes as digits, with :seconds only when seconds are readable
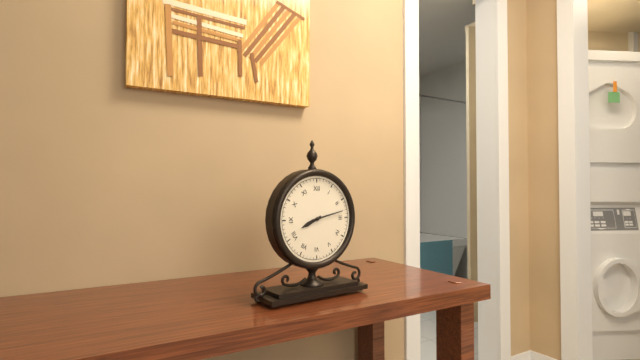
8:13
